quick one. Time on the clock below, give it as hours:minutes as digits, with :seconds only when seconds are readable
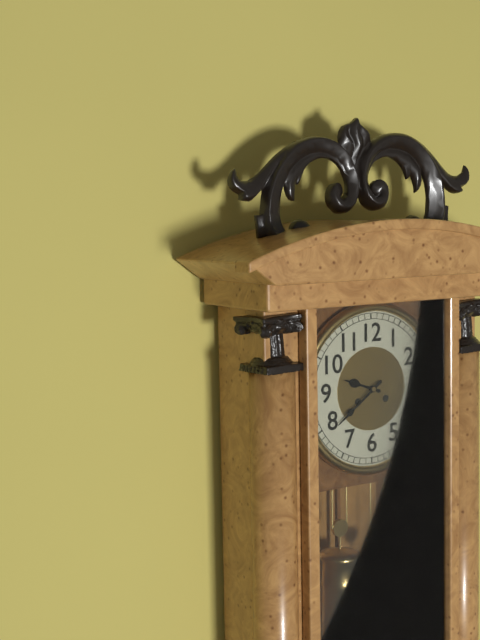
9:39
